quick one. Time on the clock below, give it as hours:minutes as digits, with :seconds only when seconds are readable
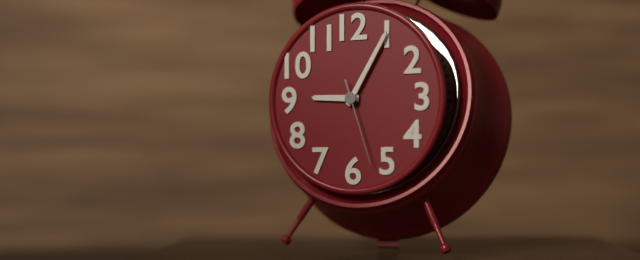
9:05:27
